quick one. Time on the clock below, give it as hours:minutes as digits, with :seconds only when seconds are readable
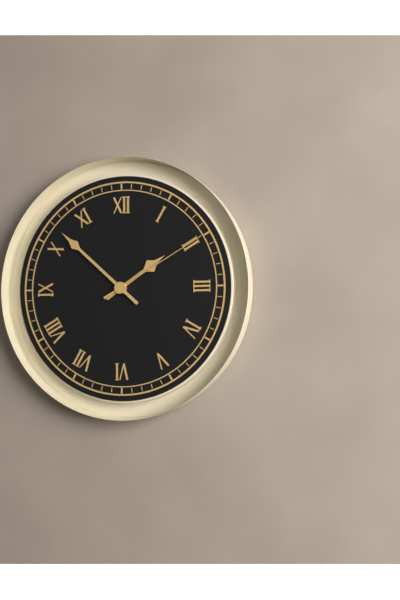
1:52:10
